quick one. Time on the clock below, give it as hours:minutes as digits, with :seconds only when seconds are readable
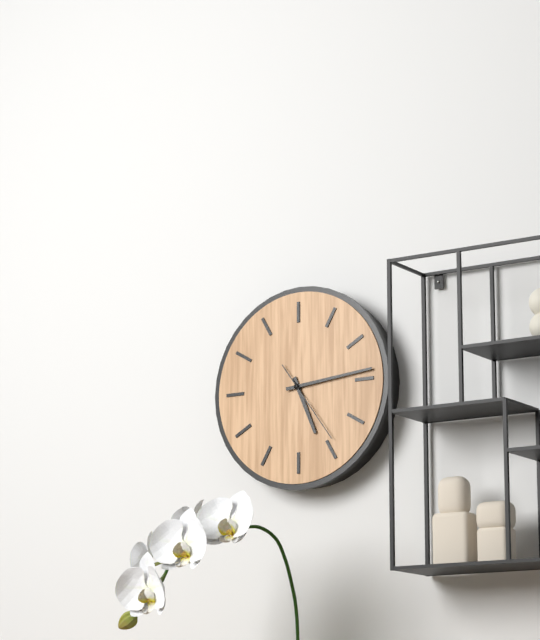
5:14:24
